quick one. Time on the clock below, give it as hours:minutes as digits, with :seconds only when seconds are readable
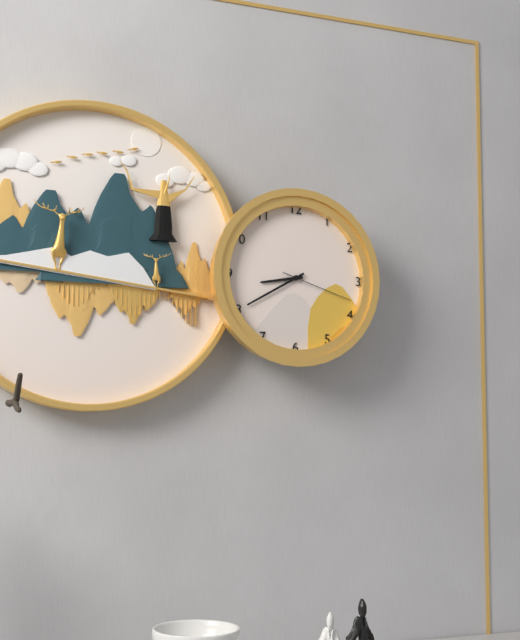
8:40:18
